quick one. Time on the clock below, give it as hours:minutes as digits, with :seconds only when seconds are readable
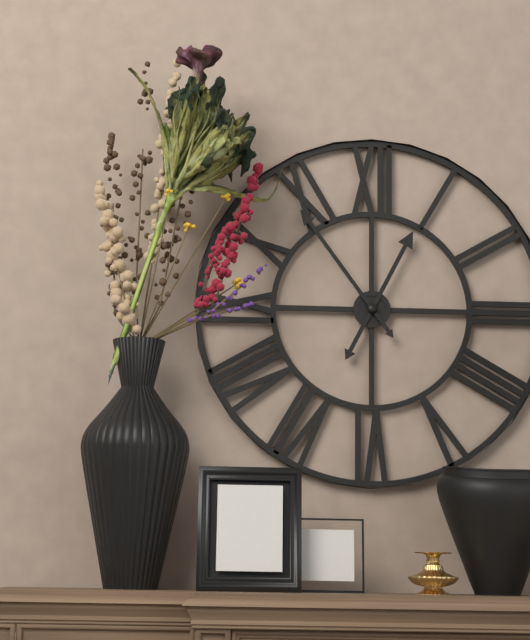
12:54
